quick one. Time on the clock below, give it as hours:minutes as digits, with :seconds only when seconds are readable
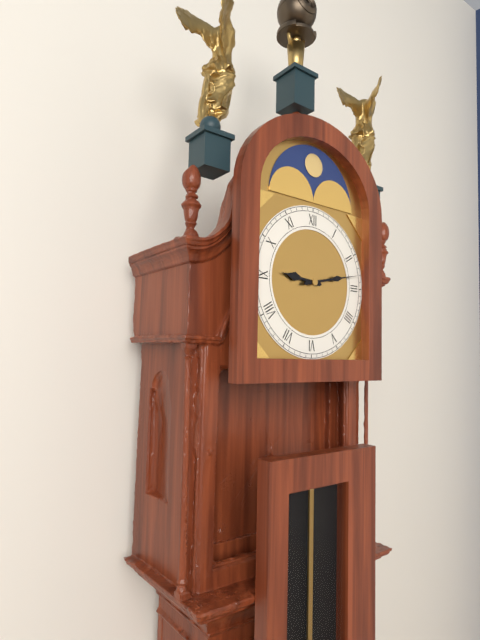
9:13
